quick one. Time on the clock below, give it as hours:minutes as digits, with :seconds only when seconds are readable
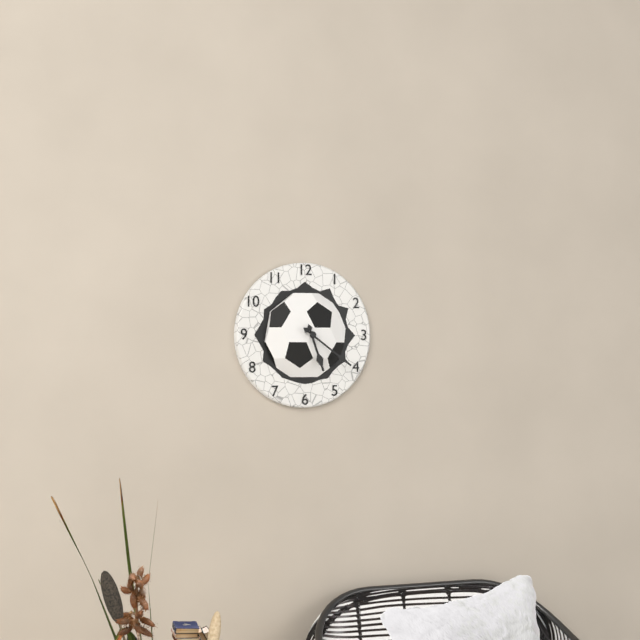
5:21
